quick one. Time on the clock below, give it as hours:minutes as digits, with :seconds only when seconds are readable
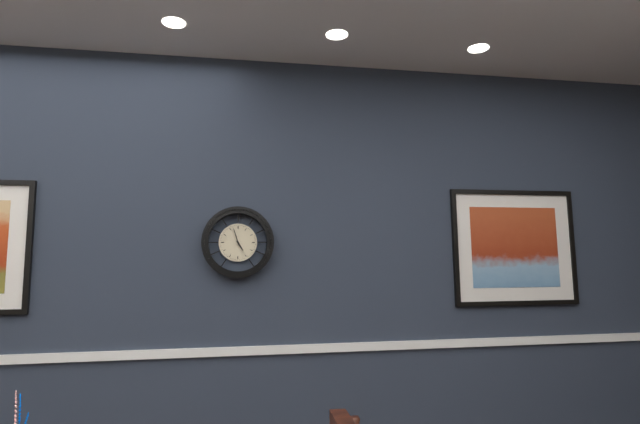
4:57
